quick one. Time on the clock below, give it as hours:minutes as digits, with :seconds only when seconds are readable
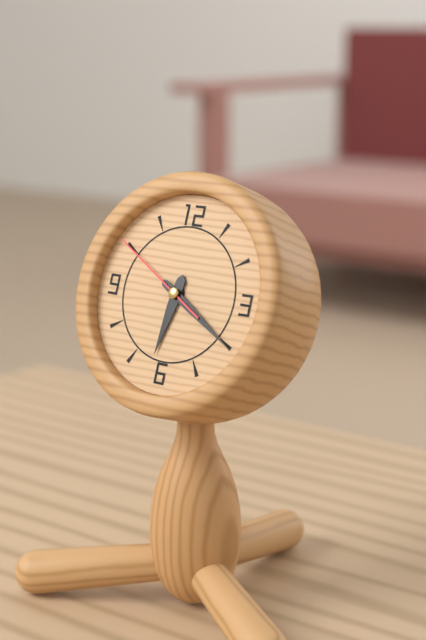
6:20:50
